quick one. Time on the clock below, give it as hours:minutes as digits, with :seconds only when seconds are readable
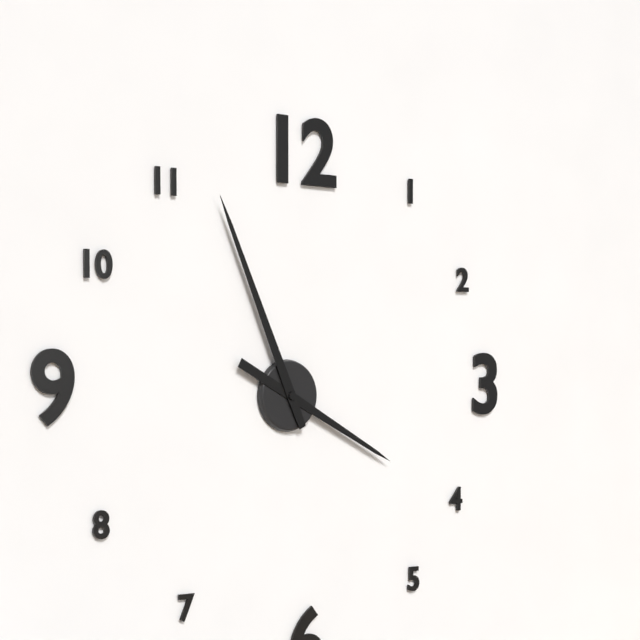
3:56
